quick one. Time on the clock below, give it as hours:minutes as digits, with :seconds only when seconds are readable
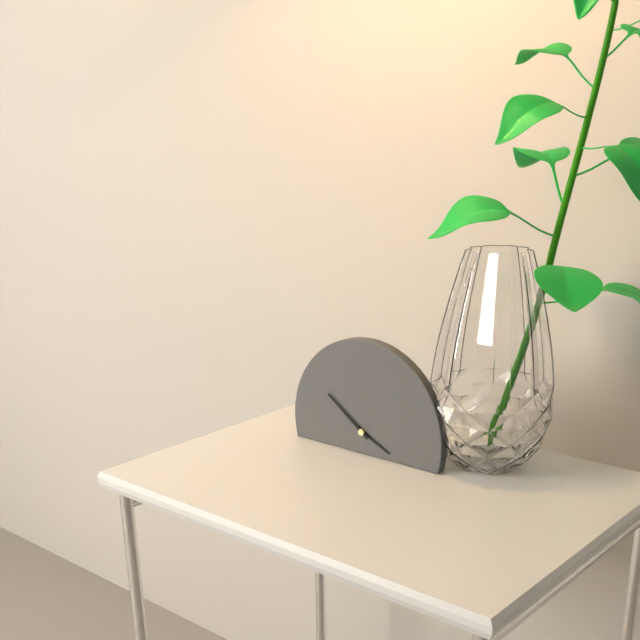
3:51
